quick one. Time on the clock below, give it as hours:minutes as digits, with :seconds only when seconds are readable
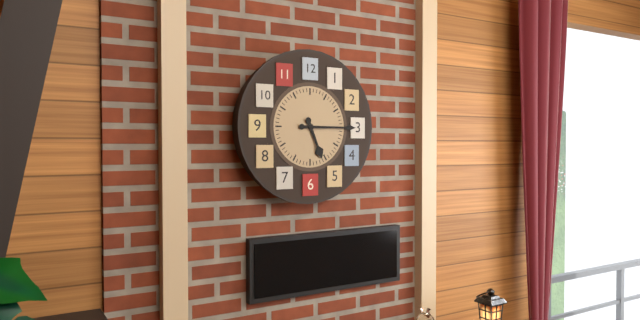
5:15
